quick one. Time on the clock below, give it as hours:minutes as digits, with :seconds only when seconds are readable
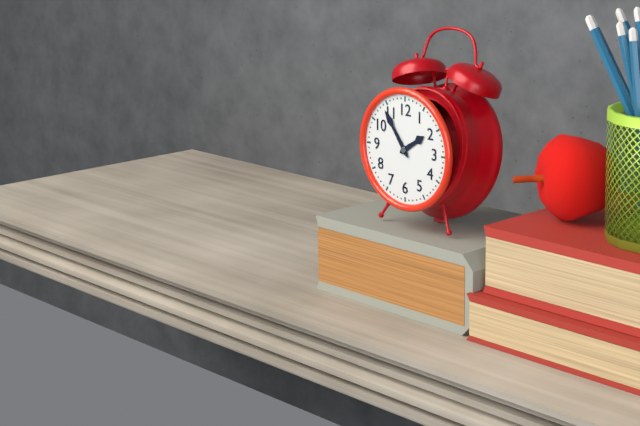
1:54
